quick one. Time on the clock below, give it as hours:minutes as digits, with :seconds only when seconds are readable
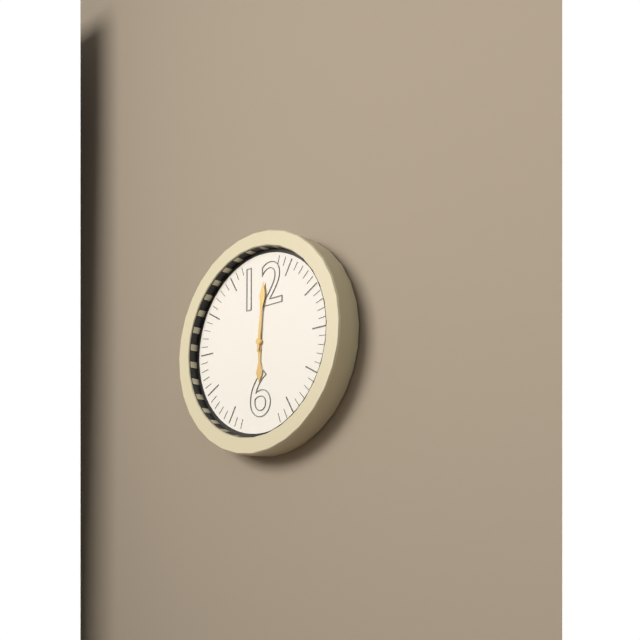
6:01
